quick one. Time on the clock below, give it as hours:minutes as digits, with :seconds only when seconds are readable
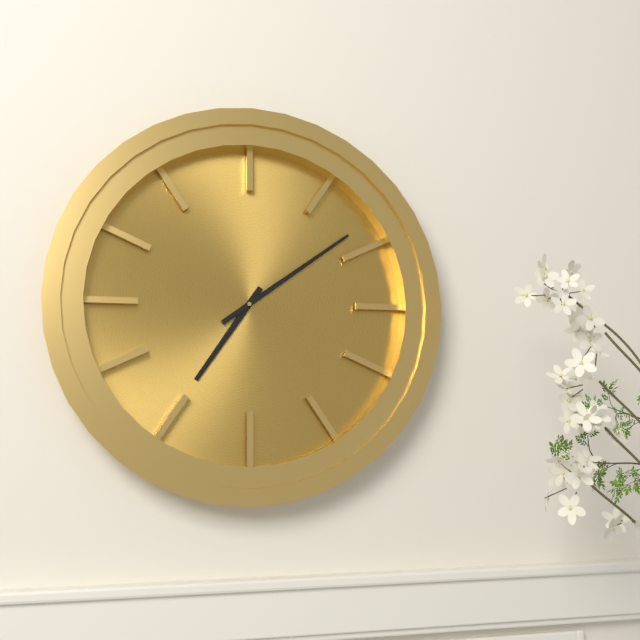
7:09
